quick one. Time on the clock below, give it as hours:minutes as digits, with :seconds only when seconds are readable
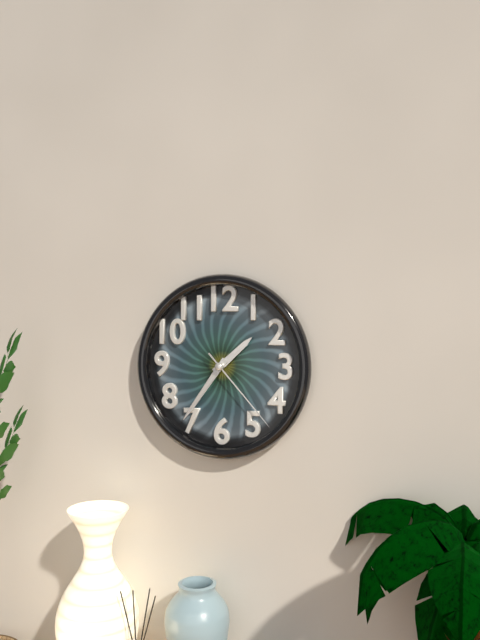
1:36:23
